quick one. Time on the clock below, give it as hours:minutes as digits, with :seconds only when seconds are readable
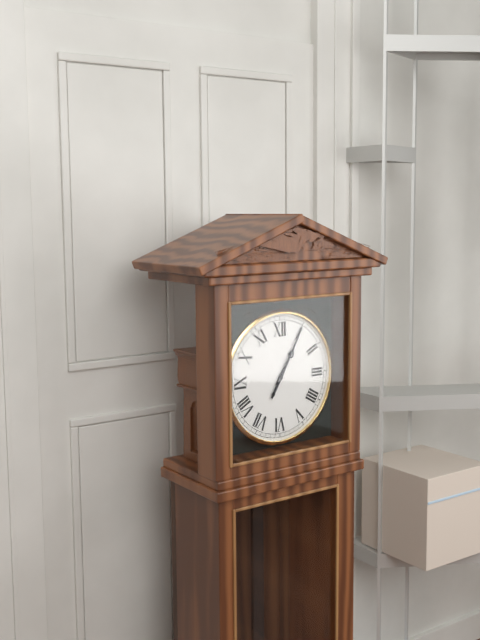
1:05
